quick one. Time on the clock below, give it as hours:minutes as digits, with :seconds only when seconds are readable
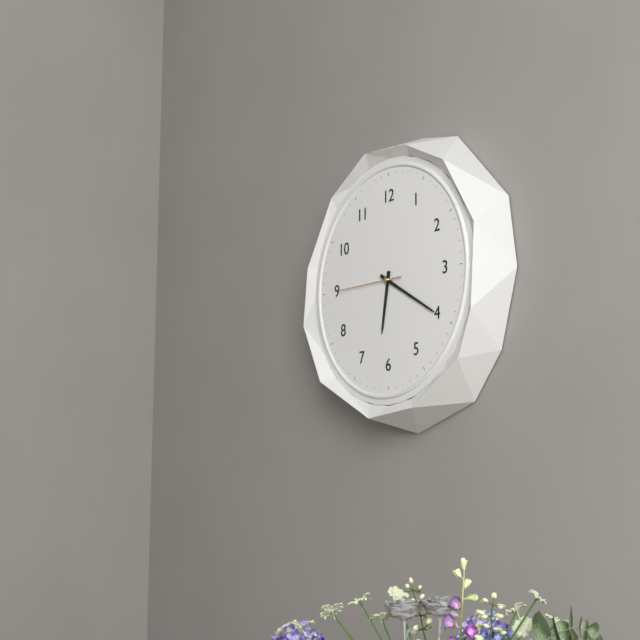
6:20:45
